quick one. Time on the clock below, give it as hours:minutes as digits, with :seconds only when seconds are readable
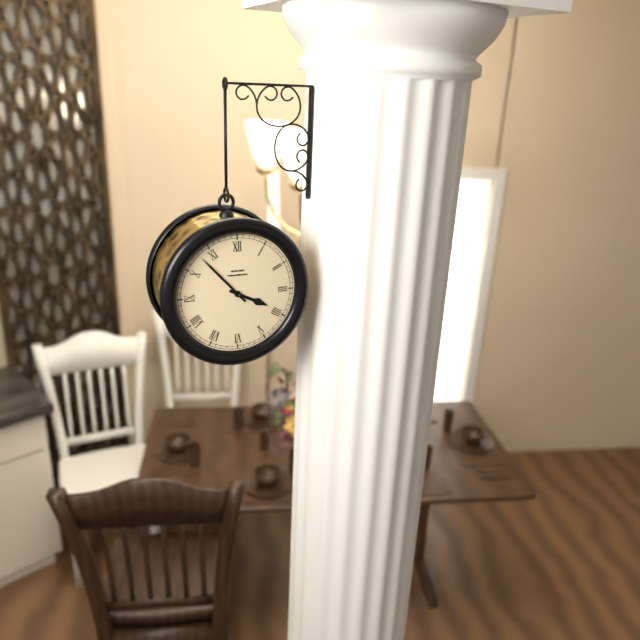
3:53
